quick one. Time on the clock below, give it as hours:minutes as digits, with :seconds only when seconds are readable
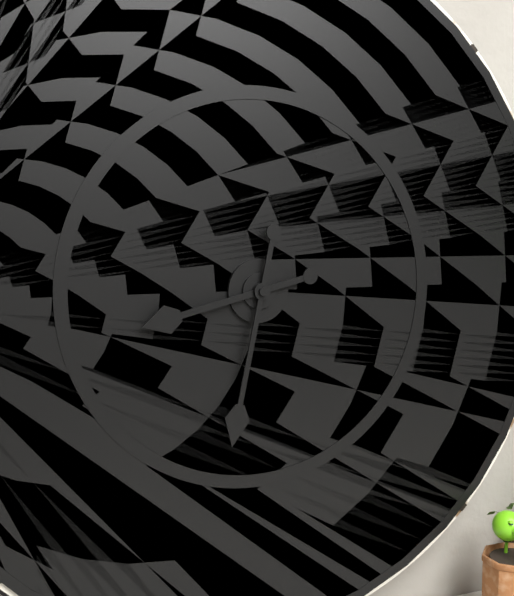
8:32
